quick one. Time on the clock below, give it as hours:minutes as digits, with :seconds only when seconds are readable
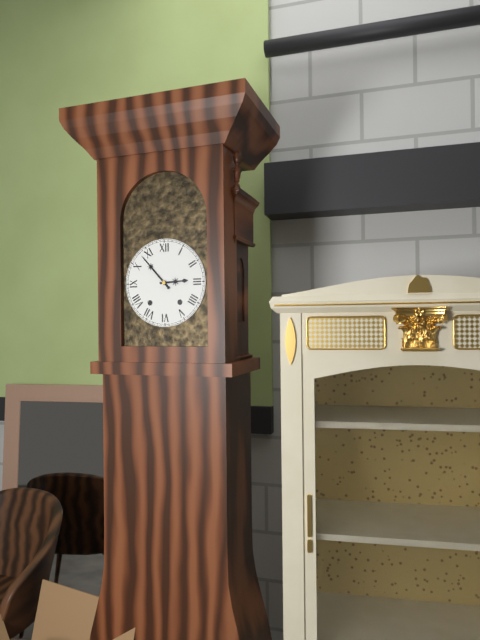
2:53
